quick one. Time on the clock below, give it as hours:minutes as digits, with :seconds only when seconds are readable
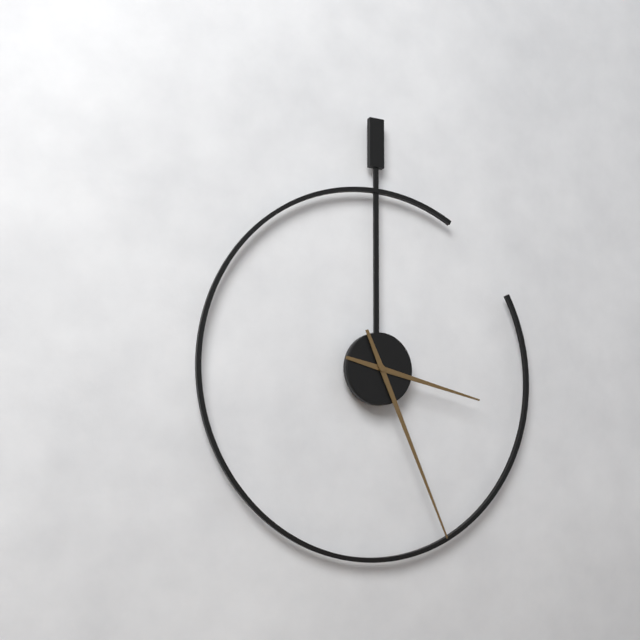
3:26
